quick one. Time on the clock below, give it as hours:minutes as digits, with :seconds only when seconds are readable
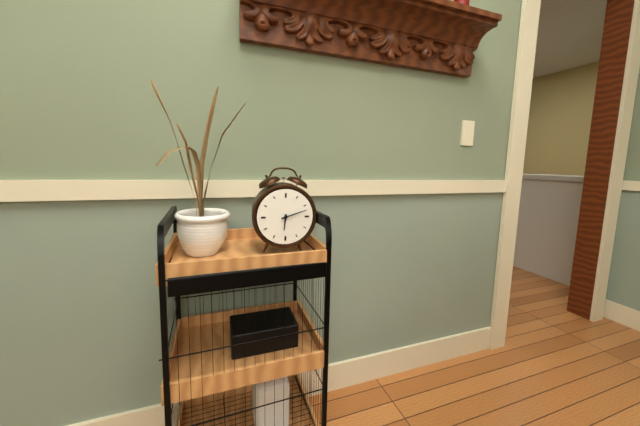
6:12
